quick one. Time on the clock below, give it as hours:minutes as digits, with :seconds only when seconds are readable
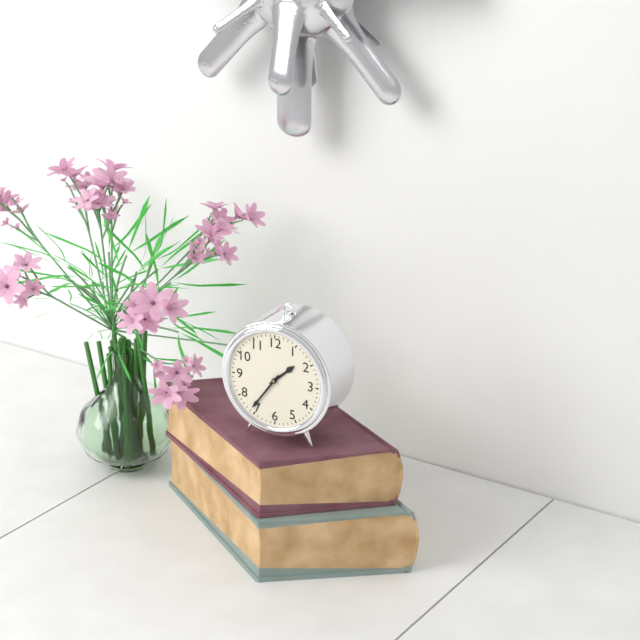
1:36
